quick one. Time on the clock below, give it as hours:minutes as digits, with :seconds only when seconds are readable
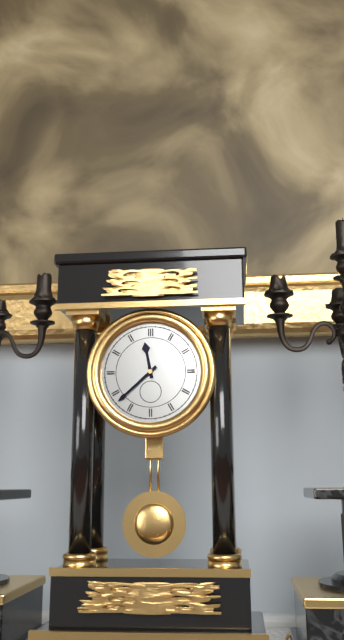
11:38
